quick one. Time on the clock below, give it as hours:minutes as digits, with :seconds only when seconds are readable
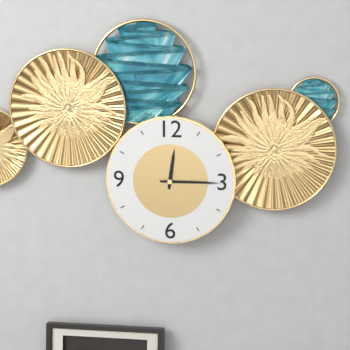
12:15
